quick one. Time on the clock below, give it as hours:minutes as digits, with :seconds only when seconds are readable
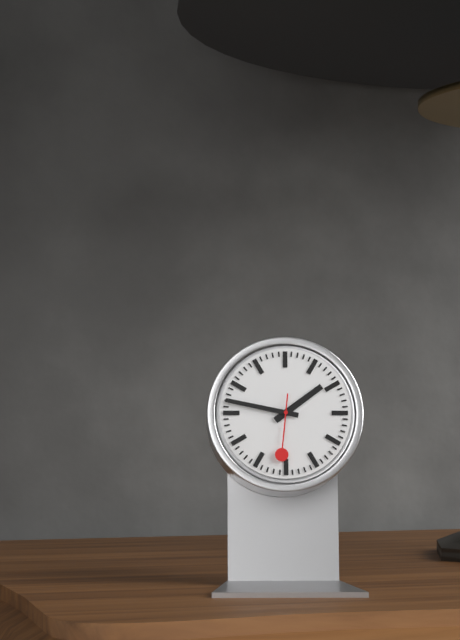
1:47:31
